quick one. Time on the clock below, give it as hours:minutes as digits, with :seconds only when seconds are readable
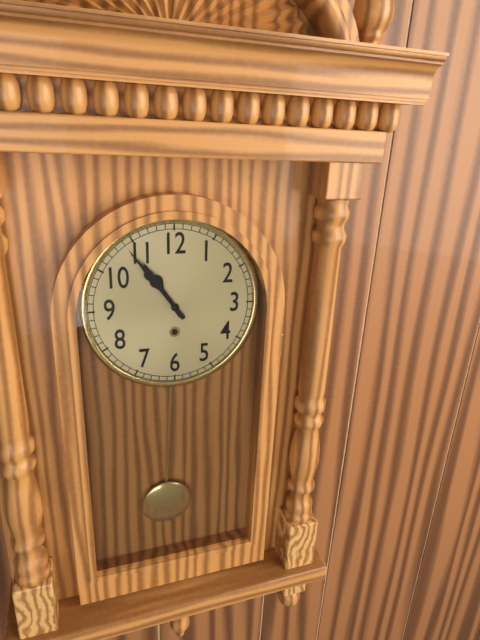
10:54
